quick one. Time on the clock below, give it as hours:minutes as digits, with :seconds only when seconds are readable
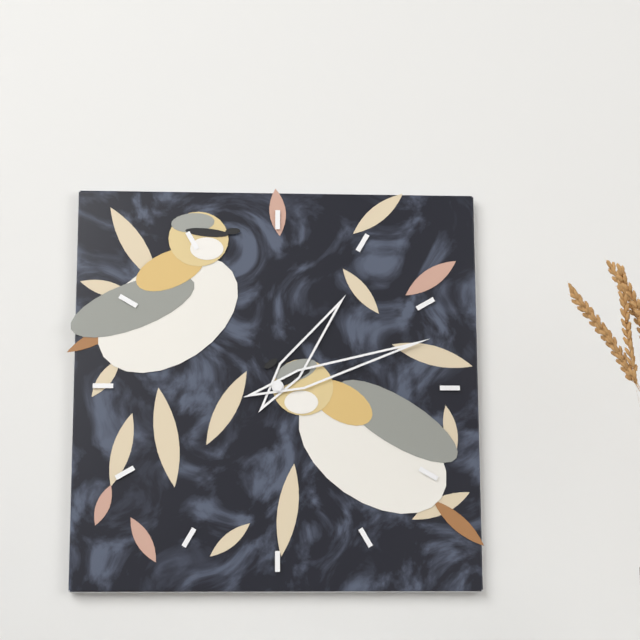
1:12
